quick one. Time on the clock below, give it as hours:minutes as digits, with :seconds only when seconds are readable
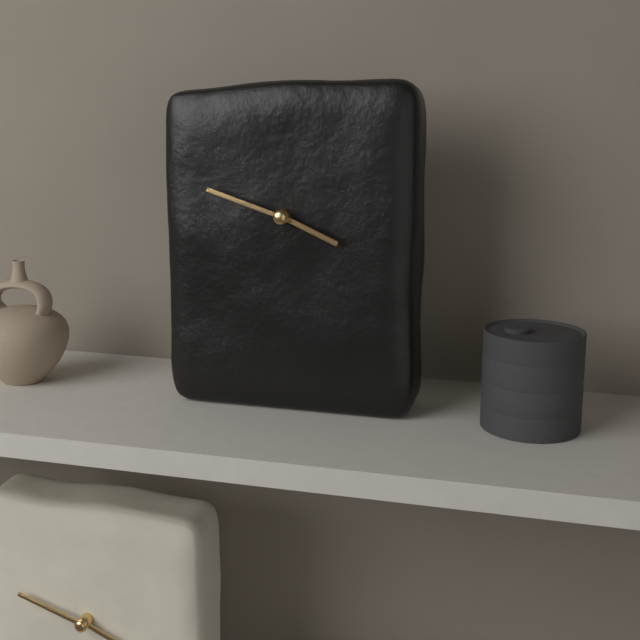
3:48
